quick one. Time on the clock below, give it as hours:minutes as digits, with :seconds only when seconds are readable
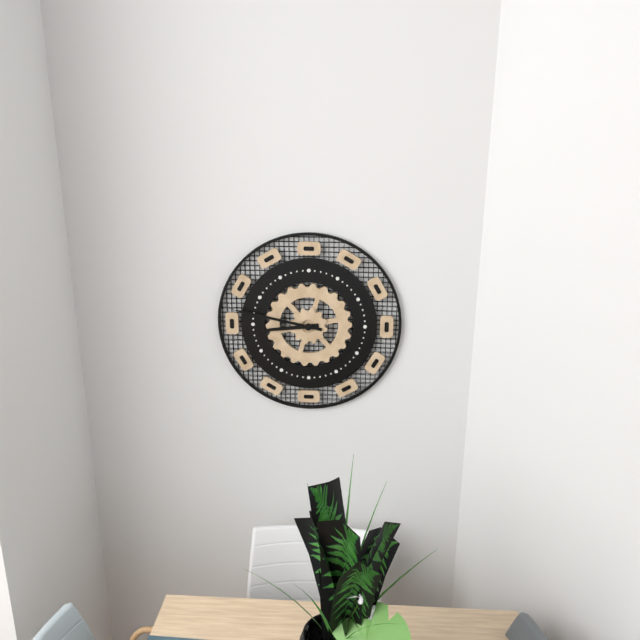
8:47
